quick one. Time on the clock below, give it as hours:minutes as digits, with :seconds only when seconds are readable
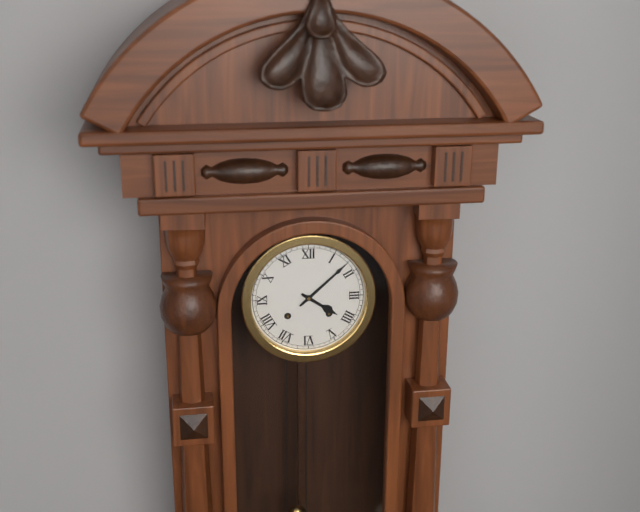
4:08
